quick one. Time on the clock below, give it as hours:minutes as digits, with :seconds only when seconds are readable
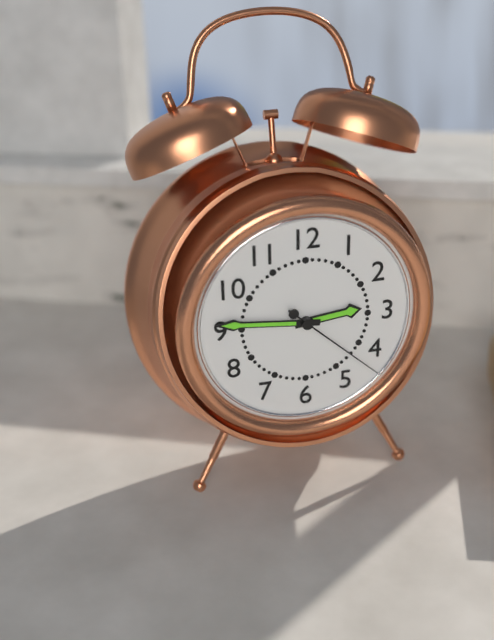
2:46:22
